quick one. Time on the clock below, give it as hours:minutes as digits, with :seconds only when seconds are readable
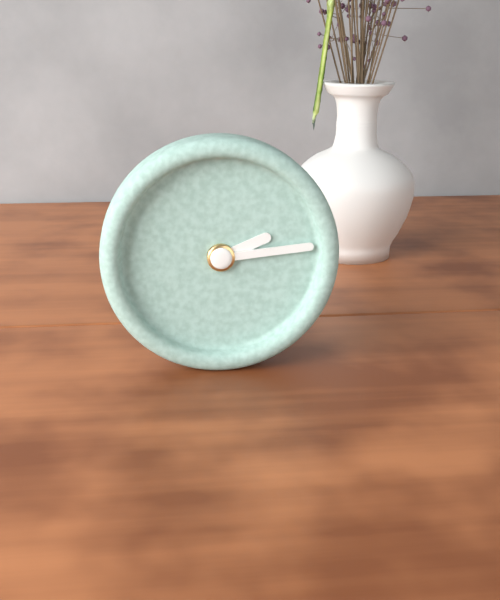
2:14
